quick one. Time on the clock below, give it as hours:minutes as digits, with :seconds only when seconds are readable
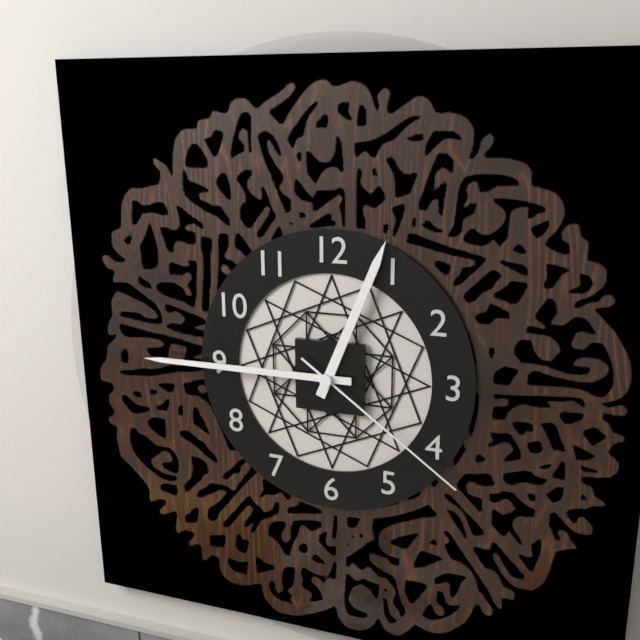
12:45:21
